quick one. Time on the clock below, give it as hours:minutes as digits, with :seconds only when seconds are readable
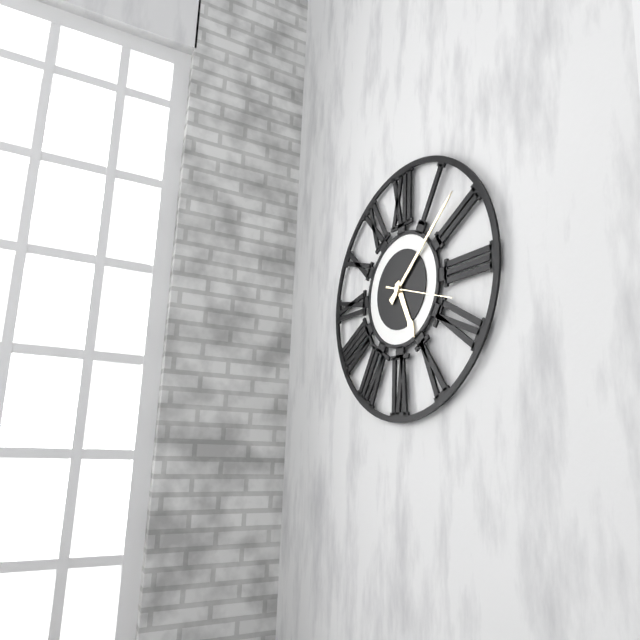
5:08:18
